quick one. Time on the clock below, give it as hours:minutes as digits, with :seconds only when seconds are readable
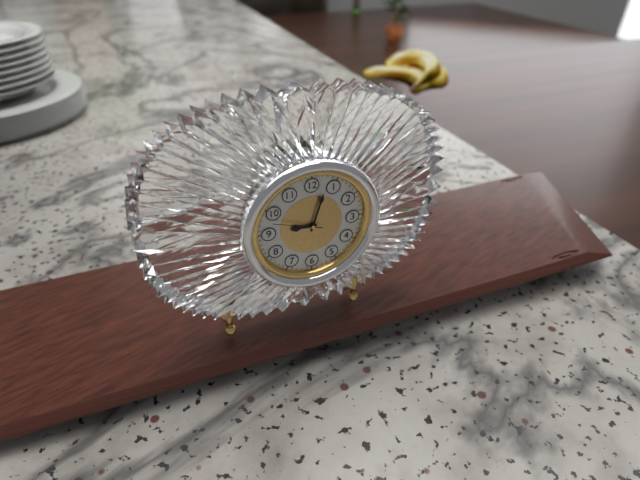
9:03
